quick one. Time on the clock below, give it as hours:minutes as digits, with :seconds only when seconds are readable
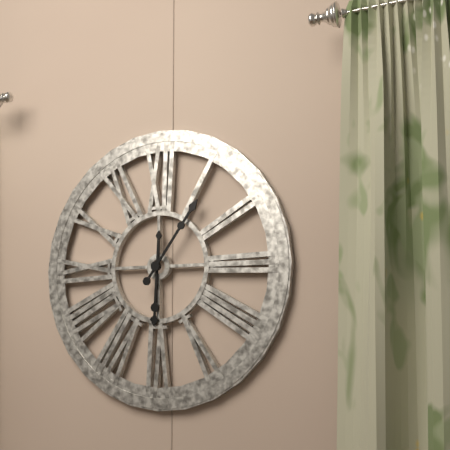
6:06
